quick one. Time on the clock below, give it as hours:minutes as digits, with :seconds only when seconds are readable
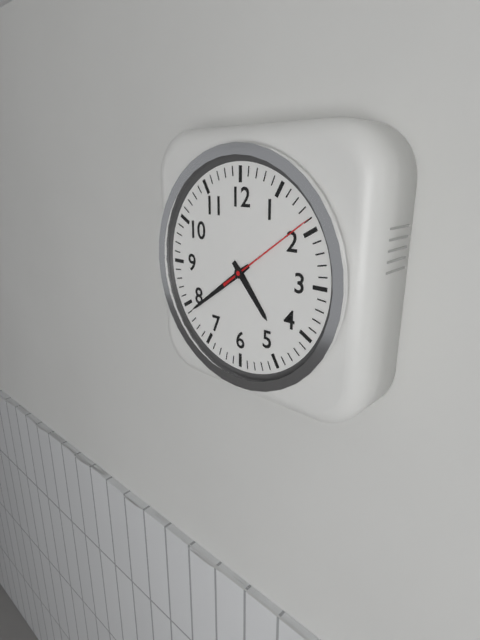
4:39:09
